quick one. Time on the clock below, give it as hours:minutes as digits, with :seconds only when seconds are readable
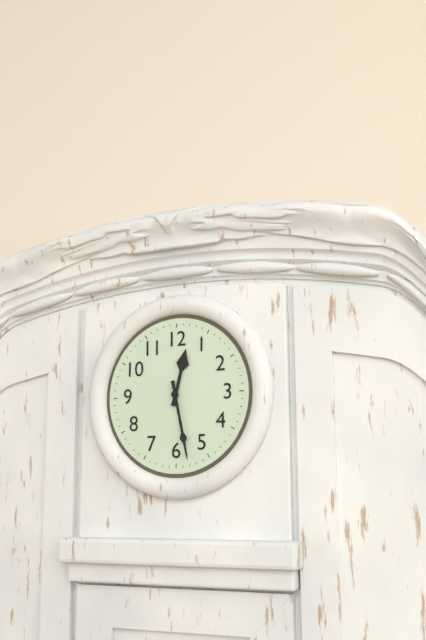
12:28
